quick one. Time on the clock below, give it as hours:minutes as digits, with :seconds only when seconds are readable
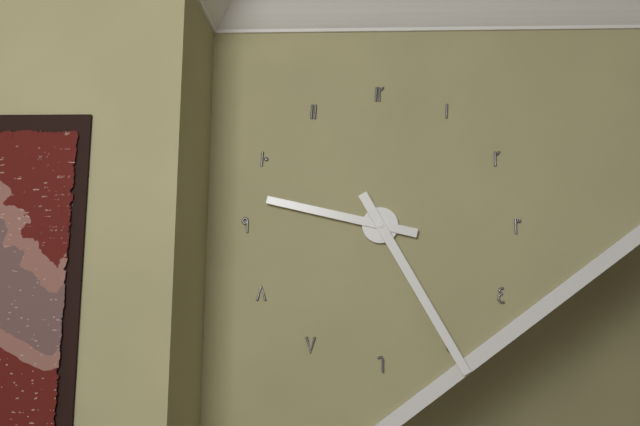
9:25
